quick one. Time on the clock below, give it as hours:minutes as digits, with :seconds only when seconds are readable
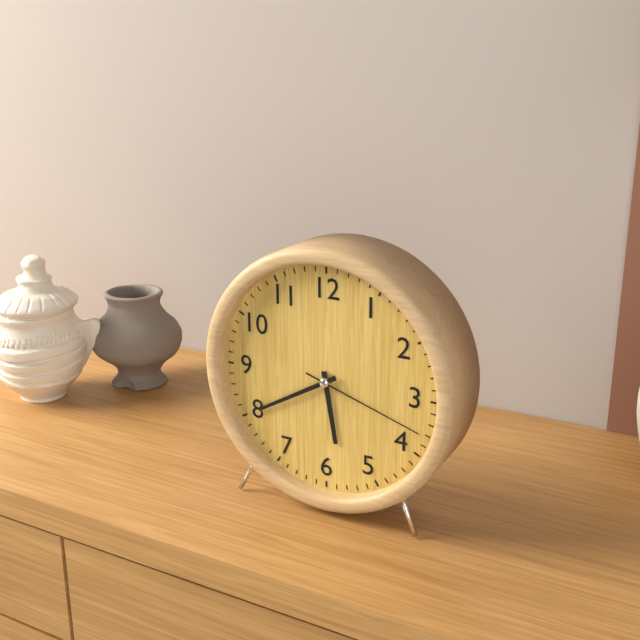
5:40:18
